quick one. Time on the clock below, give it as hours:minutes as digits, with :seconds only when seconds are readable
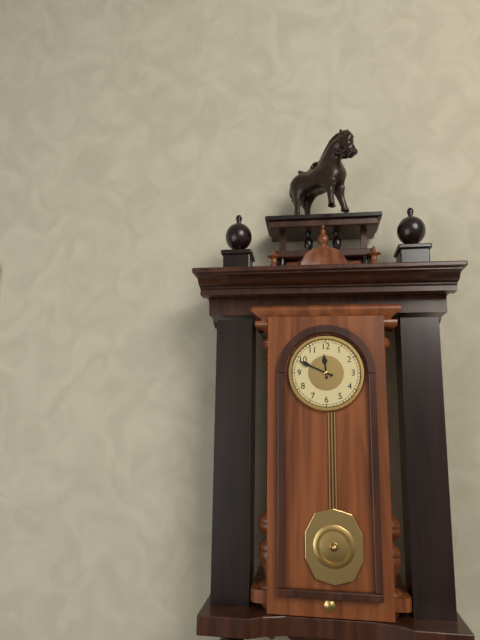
11:49
